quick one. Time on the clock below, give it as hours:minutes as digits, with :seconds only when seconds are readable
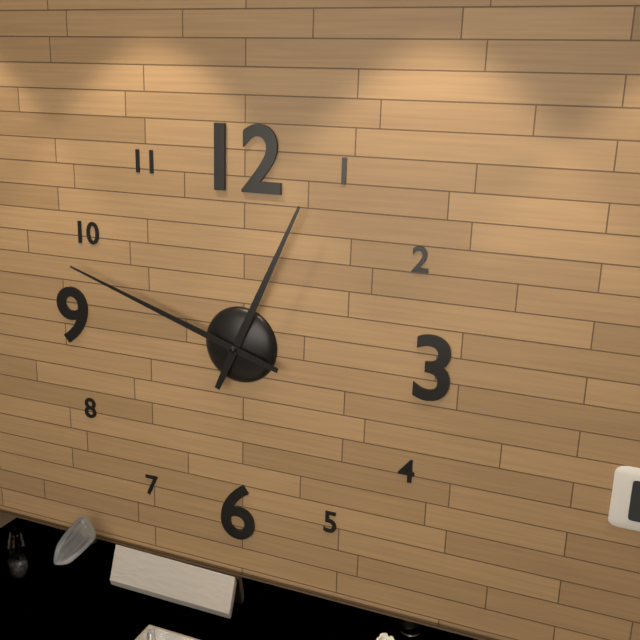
12:48
